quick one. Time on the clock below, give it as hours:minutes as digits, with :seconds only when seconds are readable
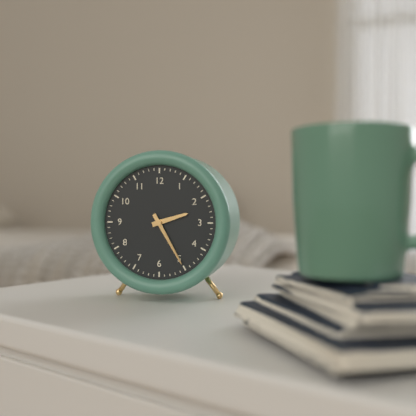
2:25
